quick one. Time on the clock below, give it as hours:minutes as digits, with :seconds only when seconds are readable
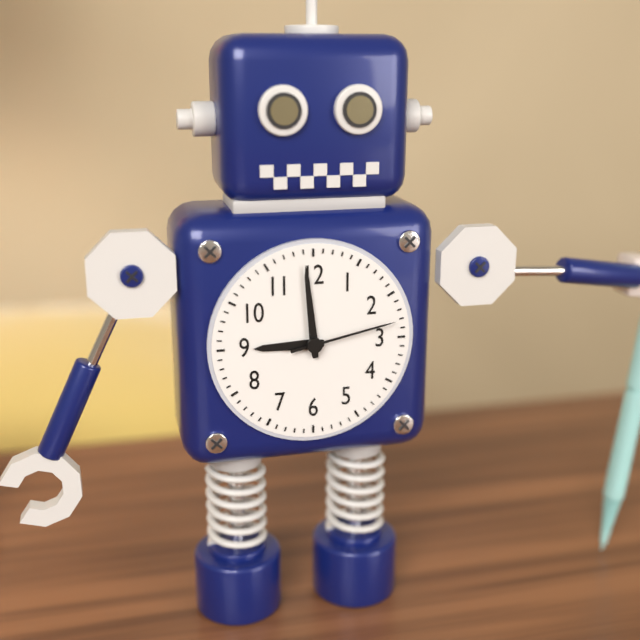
8:59:13
